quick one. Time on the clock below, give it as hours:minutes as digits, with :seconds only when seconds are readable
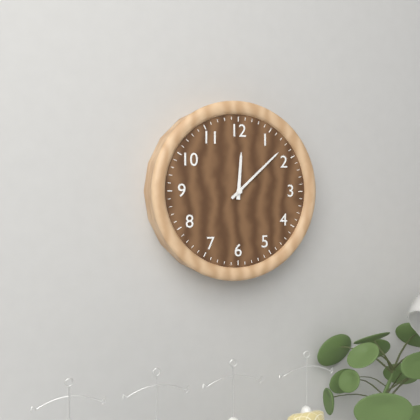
12:08
